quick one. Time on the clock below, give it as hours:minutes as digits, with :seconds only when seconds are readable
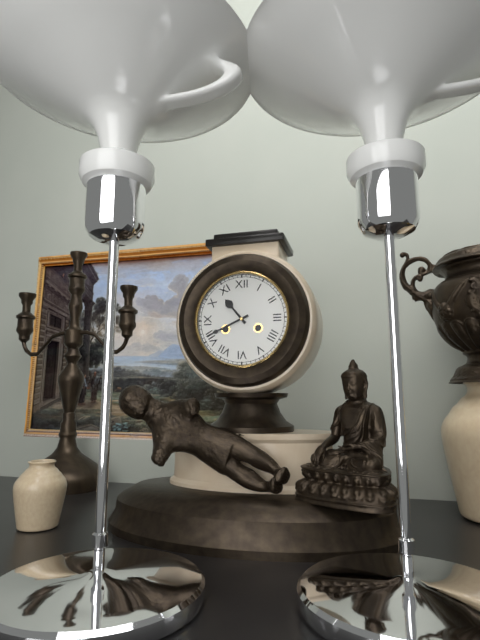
10:41
